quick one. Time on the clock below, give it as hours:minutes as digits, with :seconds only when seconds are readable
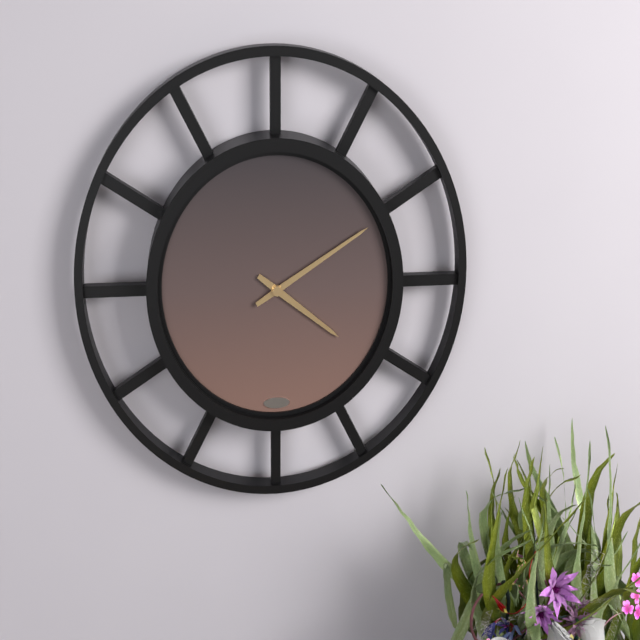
4:10
